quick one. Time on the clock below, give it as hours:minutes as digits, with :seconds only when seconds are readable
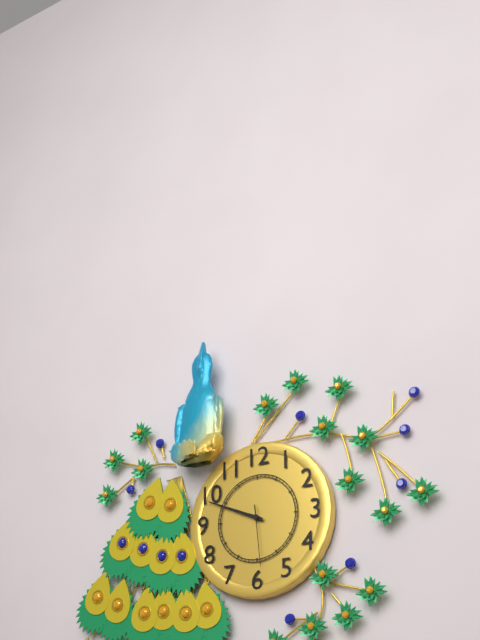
9:49:29
